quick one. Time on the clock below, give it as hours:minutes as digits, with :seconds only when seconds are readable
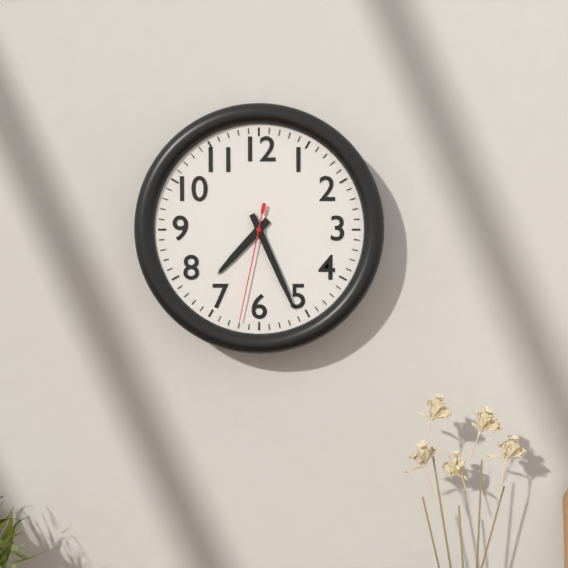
7:26:32
